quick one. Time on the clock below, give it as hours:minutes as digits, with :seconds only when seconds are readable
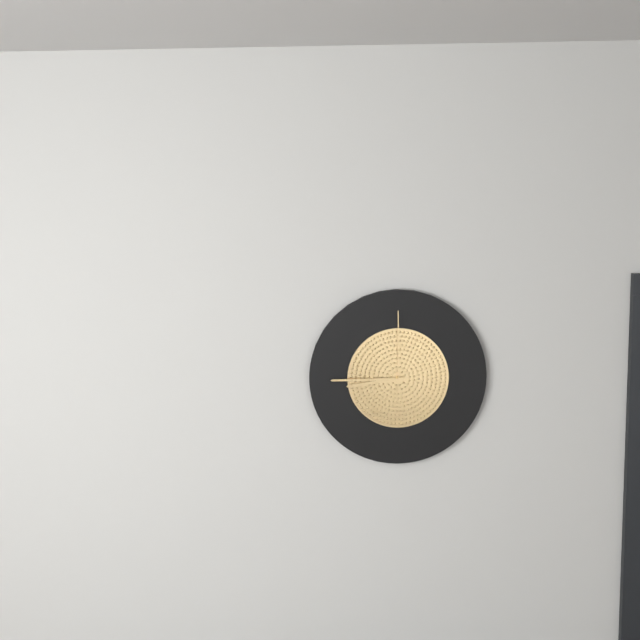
8:45:00
